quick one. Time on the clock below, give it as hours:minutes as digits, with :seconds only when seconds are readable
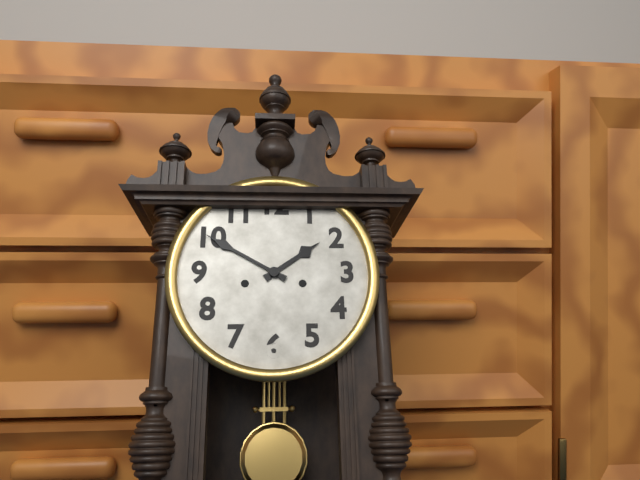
1:50
